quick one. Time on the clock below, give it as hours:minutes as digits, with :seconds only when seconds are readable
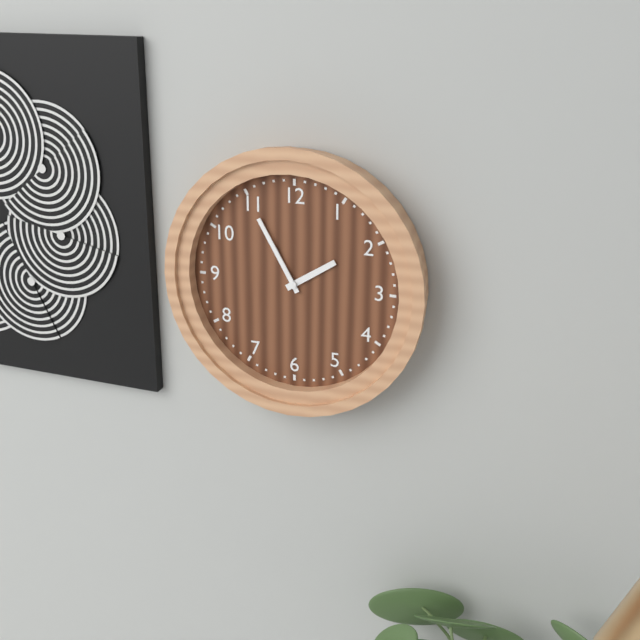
1:55
